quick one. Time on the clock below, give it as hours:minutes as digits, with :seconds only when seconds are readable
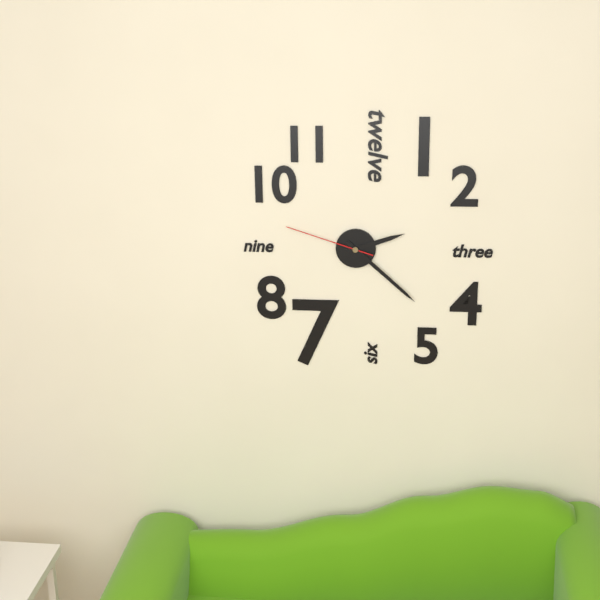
2:22:48
